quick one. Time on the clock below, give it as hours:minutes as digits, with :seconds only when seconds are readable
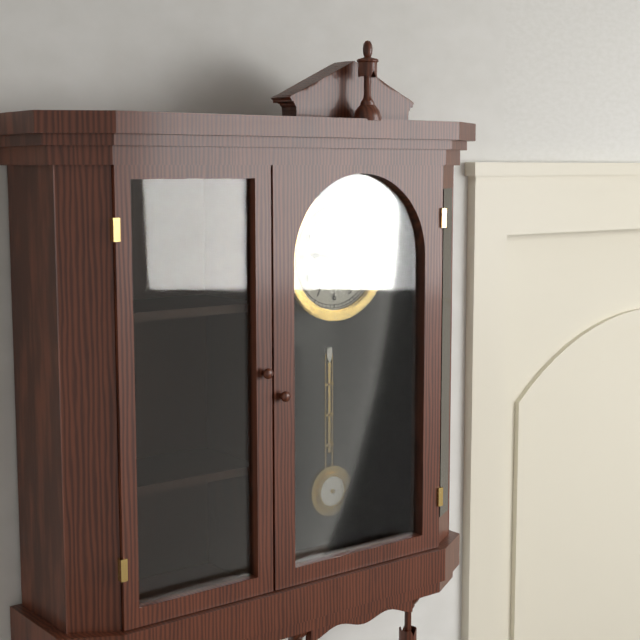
9:15
